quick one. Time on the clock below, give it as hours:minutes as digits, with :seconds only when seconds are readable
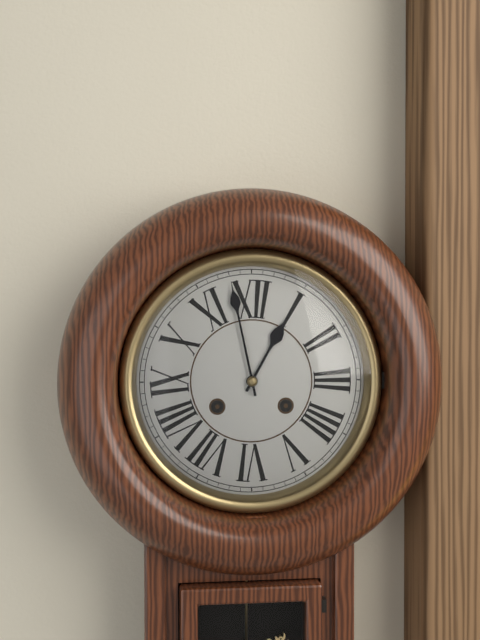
12:58
